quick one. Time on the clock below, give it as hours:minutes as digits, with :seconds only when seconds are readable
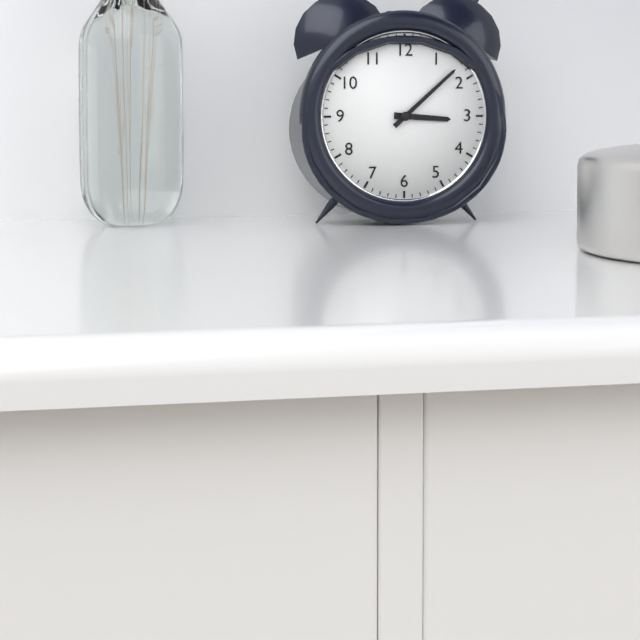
3:08
